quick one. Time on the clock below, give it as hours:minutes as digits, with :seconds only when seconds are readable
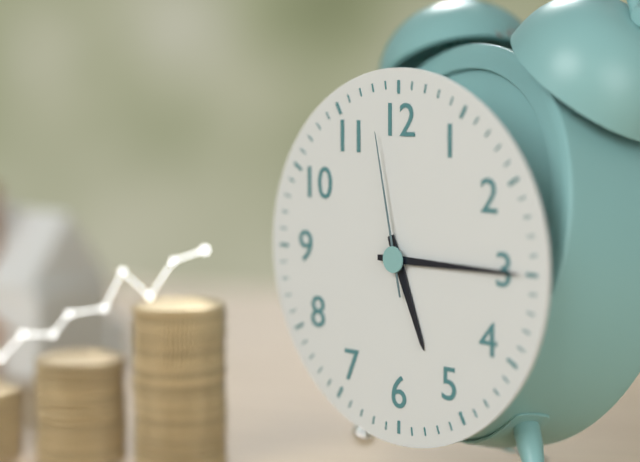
5:15:58
